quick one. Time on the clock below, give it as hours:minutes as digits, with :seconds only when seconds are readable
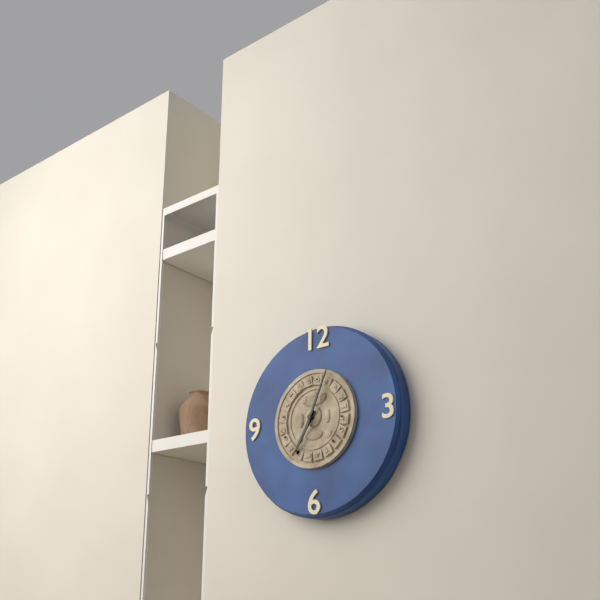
7:04
